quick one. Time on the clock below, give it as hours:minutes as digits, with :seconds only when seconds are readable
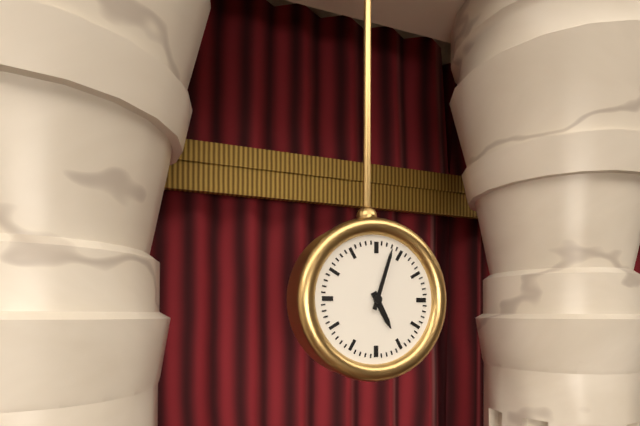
5:03
